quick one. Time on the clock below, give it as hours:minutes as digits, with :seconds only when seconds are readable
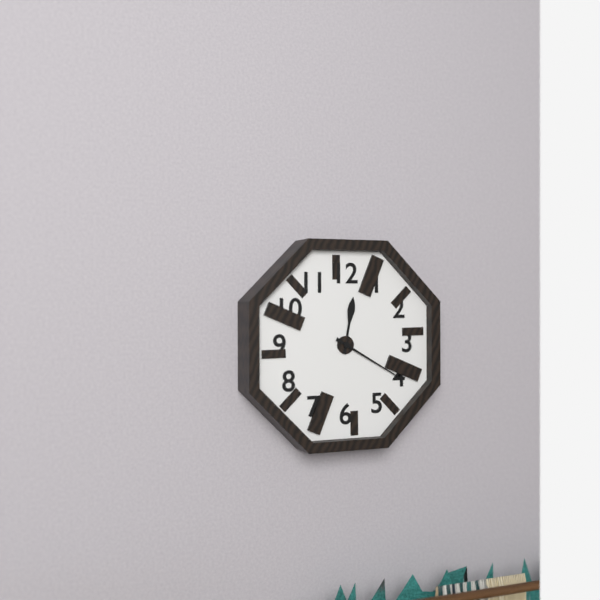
12:20
